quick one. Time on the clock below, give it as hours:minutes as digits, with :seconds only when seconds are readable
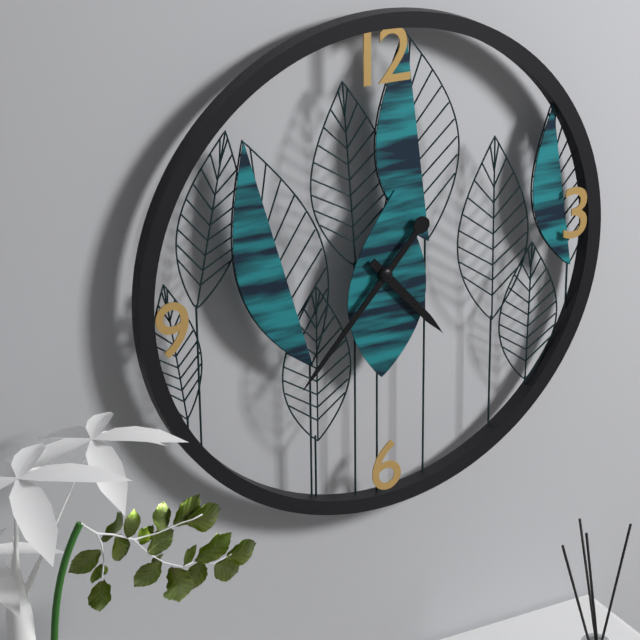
4:37
